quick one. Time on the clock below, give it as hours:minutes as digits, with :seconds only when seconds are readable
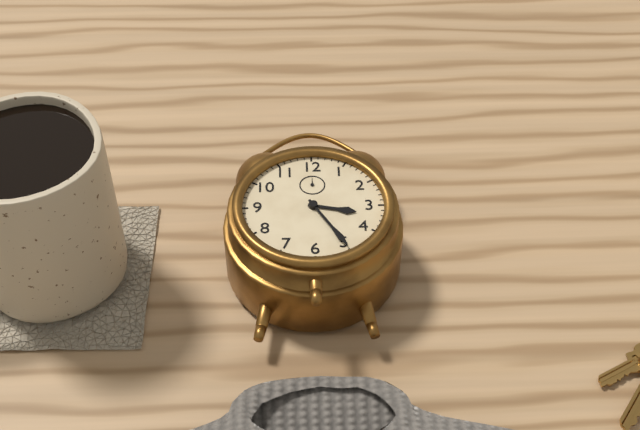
3:25
